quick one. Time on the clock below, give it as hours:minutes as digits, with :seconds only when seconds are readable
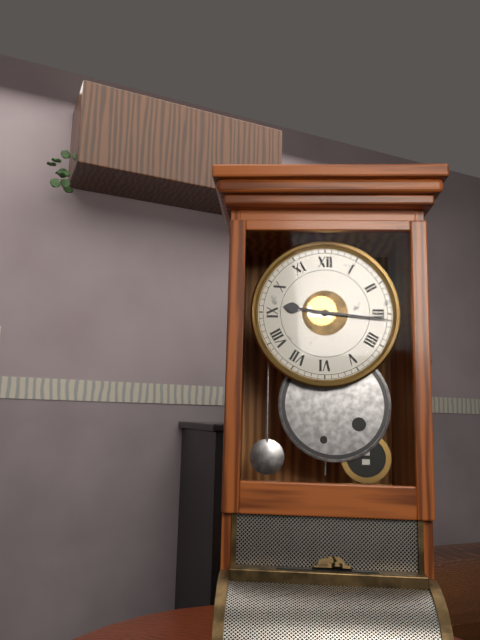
9:16
